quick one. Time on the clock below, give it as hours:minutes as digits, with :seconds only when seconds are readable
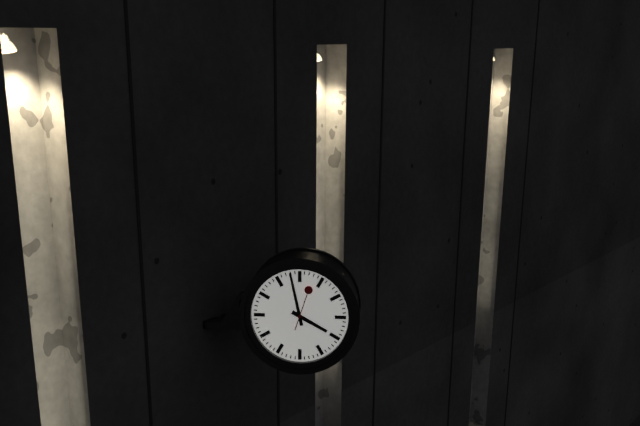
3:58
